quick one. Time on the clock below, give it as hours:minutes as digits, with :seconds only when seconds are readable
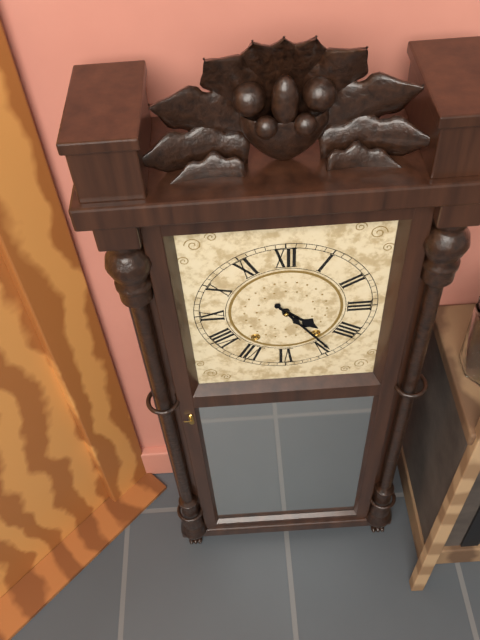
4:24
